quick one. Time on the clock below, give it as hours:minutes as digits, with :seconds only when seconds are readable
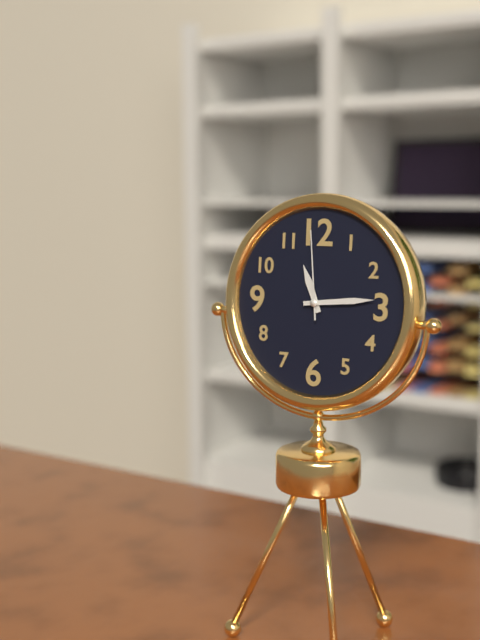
11:14:59
